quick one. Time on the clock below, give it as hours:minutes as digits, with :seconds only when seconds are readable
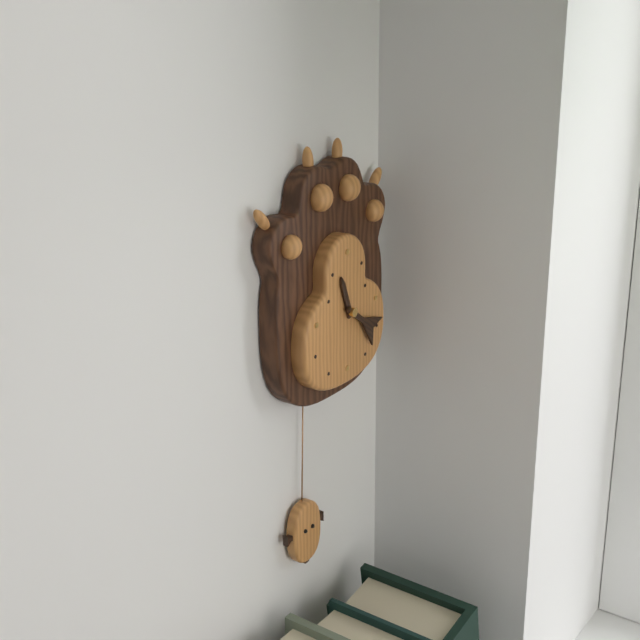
11:21
